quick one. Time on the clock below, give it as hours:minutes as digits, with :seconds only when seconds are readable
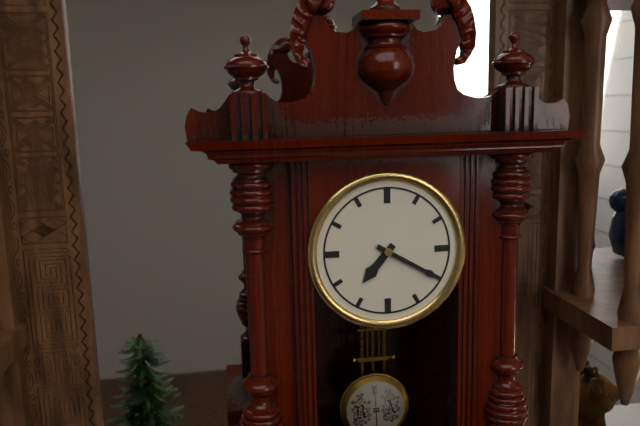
7:20
